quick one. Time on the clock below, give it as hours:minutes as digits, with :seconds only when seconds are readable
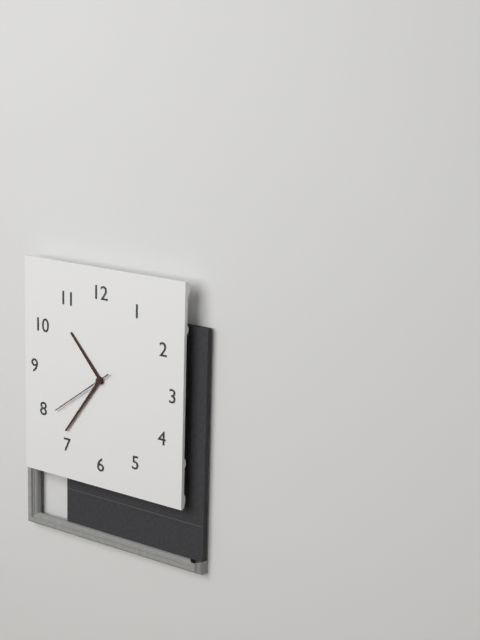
10:36:39
